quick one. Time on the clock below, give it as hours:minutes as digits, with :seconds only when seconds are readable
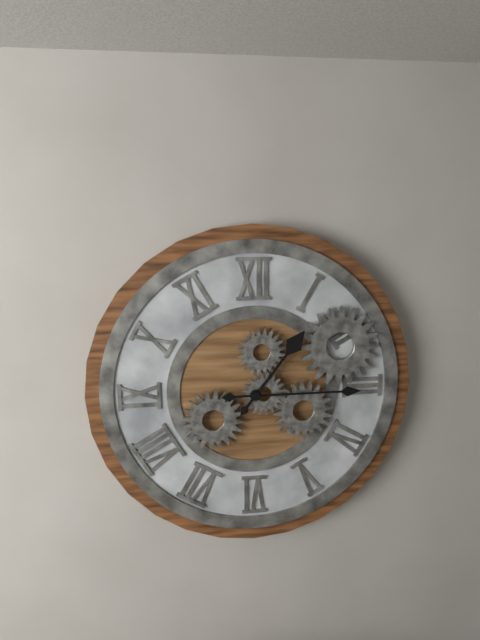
1:15
